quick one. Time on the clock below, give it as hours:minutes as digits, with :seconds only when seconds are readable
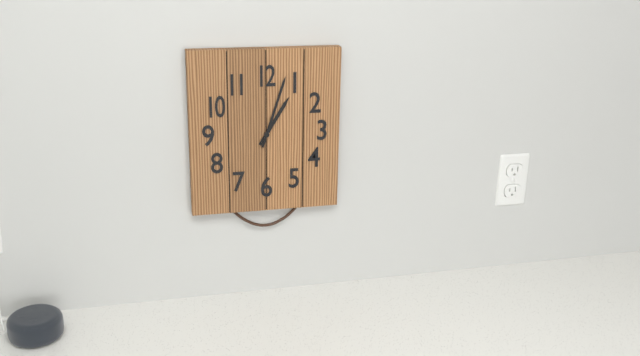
1:03
